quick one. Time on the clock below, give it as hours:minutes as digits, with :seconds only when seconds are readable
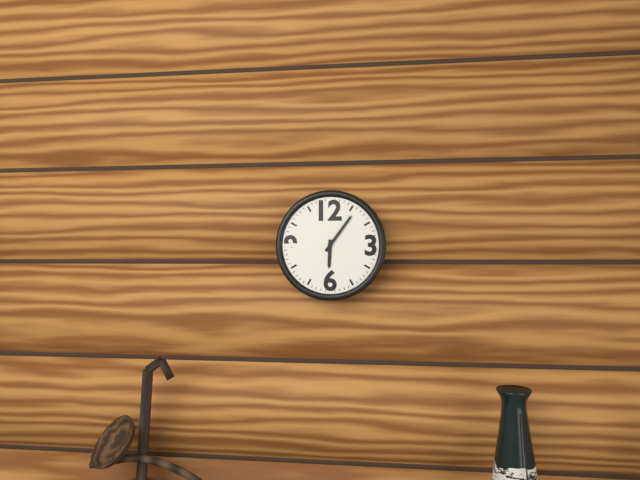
6:06
